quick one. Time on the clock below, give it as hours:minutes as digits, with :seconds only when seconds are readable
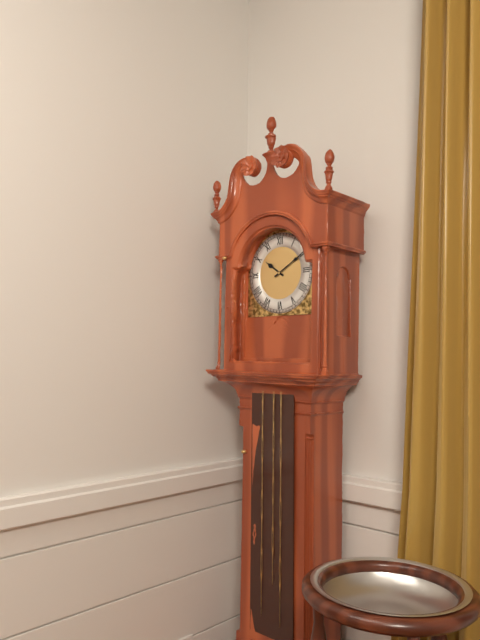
10:10
